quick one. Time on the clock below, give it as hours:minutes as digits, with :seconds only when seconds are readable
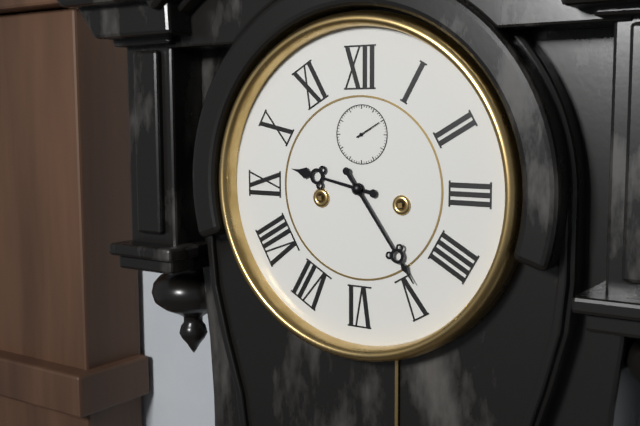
9:24
